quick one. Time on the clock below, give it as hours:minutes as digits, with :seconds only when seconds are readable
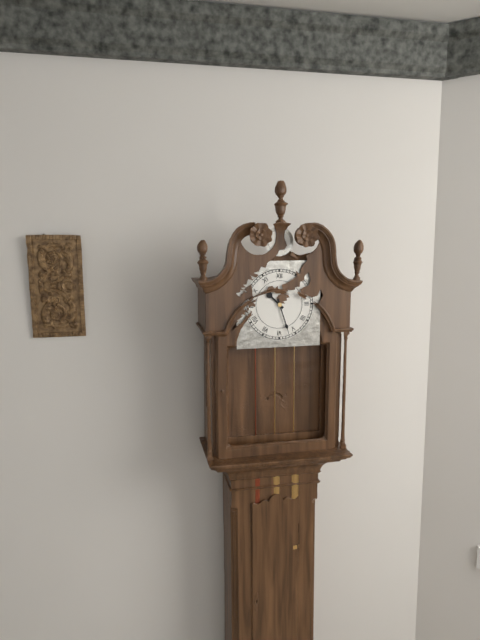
10:27
